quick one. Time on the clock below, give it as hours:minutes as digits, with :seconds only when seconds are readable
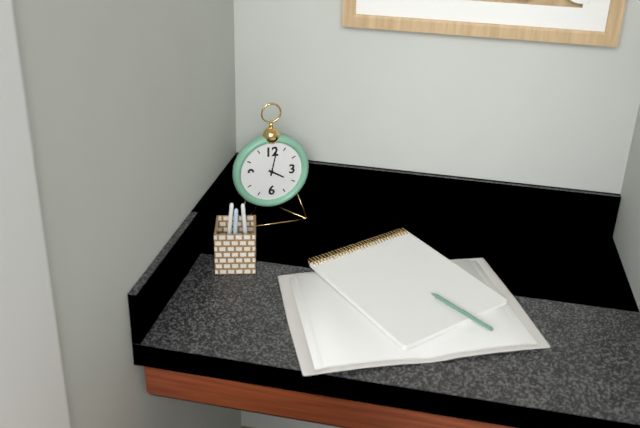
4:02
